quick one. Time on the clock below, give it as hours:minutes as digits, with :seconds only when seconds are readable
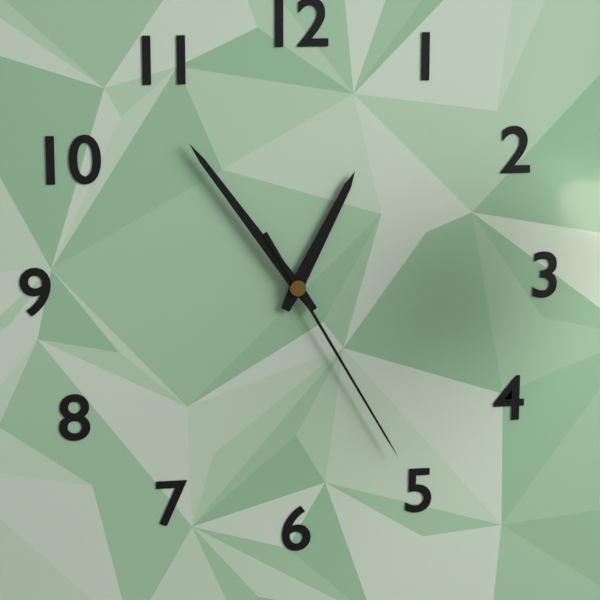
12:54:25
